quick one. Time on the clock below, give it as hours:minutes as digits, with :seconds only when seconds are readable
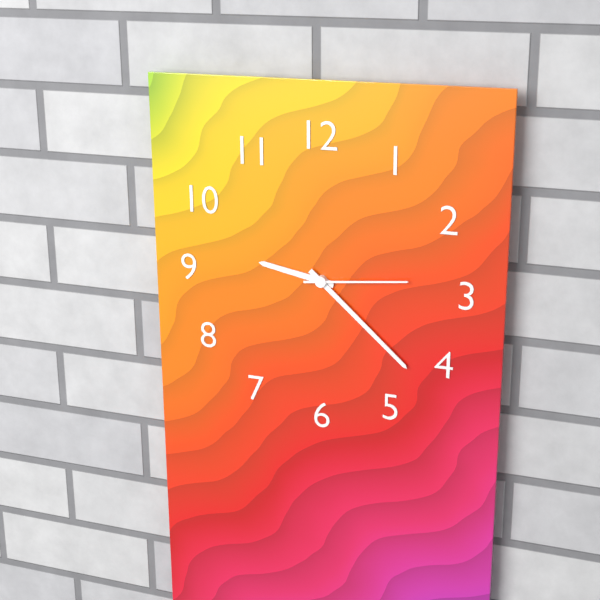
9:22:14
